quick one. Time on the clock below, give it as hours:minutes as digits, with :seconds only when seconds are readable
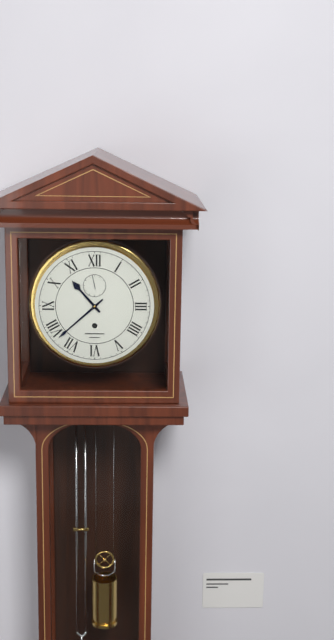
10:38
